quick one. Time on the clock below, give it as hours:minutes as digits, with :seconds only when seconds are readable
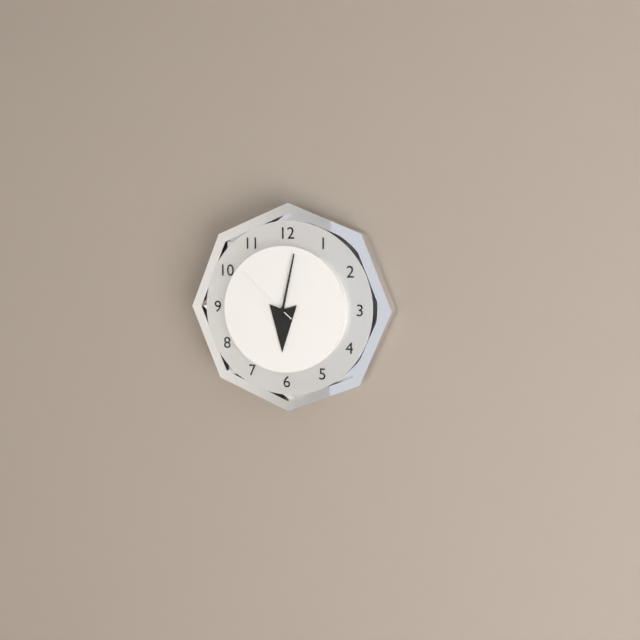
6:02:52
